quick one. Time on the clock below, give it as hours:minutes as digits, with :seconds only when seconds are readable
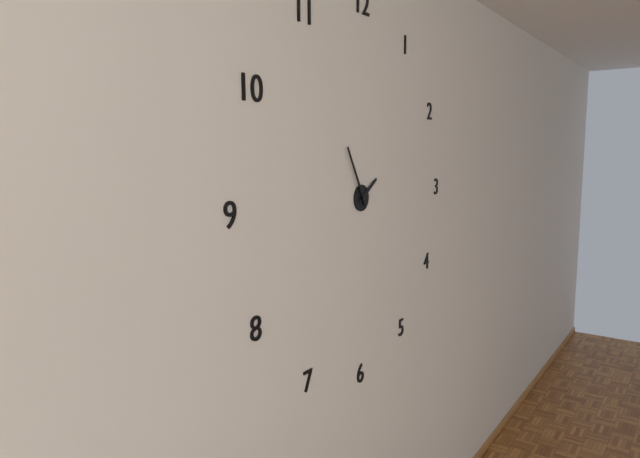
1:55
